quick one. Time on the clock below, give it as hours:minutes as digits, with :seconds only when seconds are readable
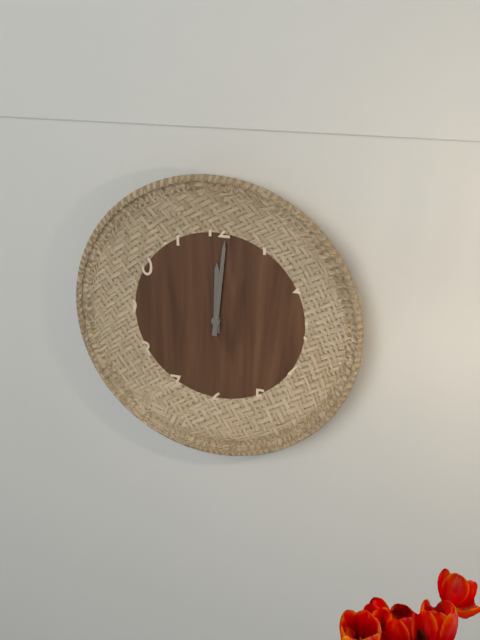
12:01
